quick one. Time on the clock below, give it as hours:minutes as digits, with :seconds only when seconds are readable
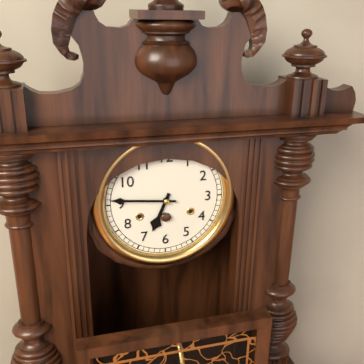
6:46
